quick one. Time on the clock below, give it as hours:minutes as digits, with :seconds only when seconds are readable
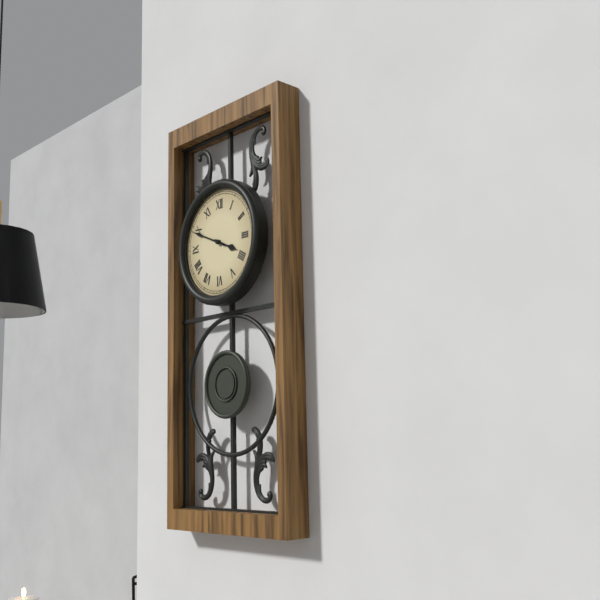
3:49
